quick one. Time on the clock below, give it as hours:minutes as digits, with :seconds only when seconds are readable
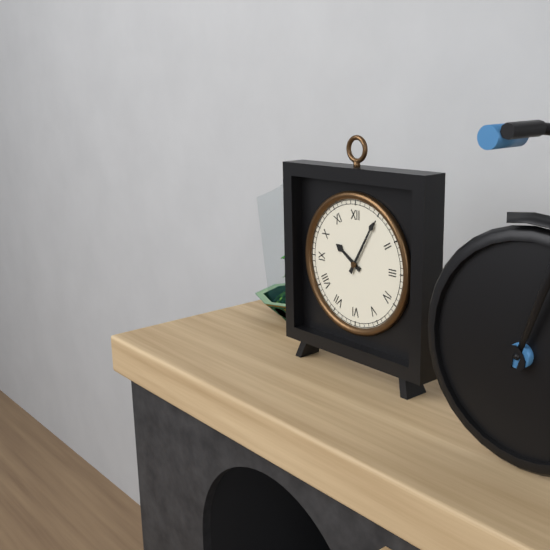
10:05
